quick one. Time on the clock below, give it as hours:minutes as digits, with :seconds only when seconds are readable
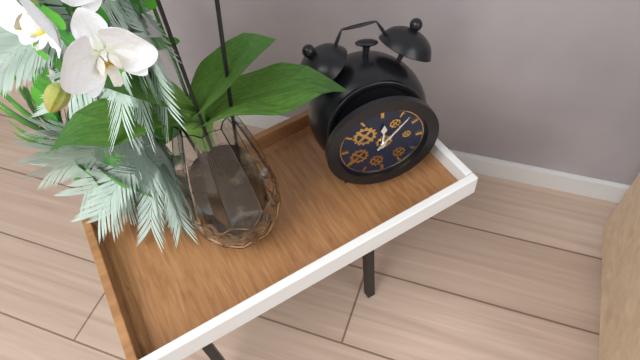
12:07
